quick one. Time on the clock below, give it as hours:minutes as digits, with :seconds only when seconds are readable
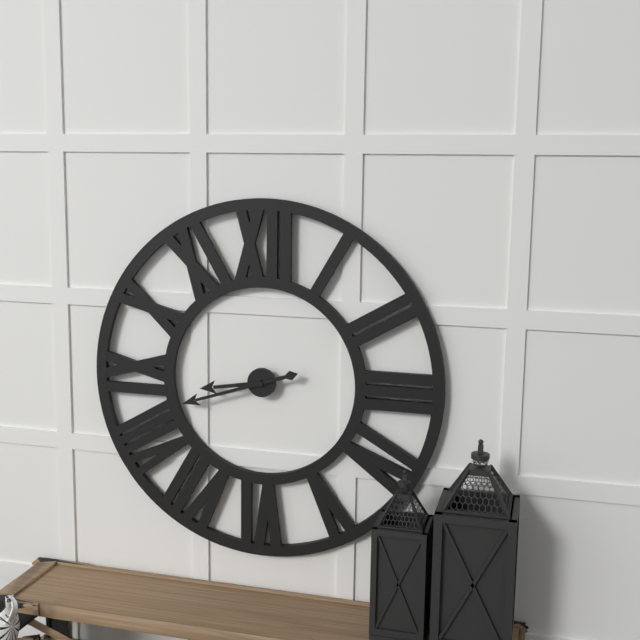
8:42
